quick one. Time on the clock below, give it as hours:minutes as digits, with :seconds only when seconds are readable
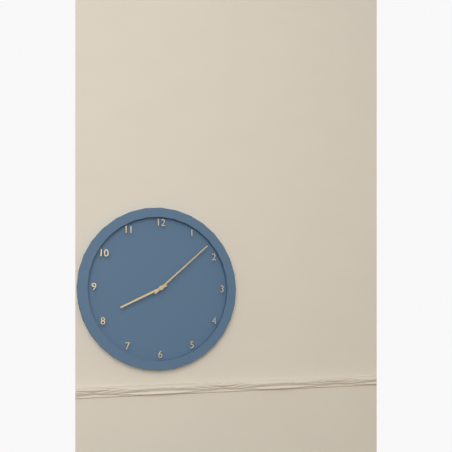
8:08
